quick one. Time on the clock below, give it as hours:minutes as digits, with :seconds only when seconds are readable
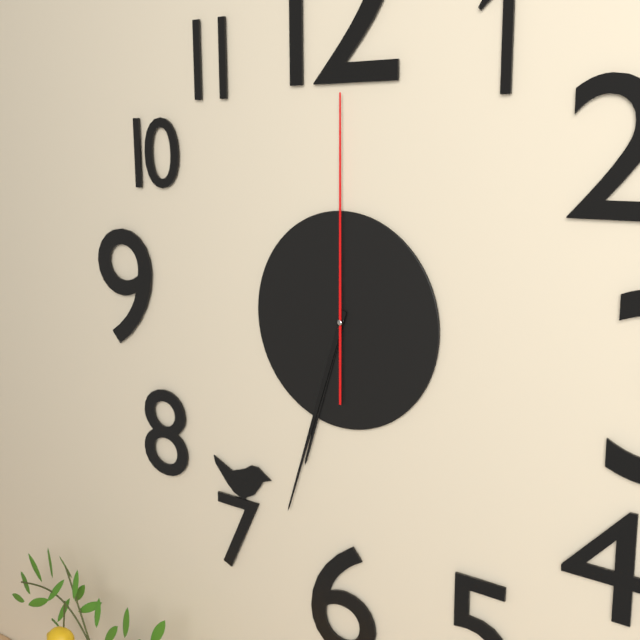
6:33:00
